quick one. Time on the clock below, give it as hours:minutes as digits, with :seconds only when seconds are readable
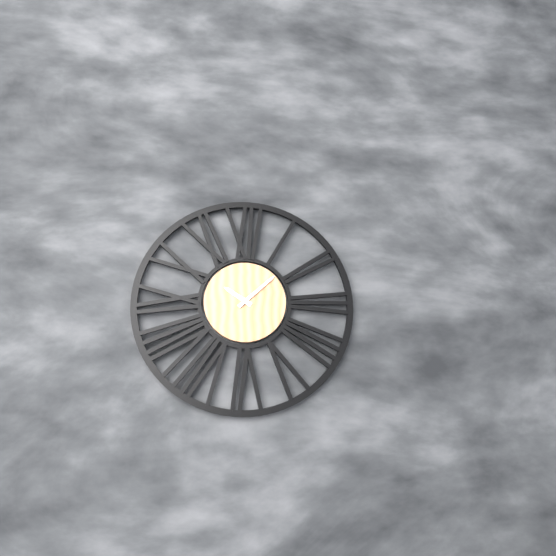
10:08
